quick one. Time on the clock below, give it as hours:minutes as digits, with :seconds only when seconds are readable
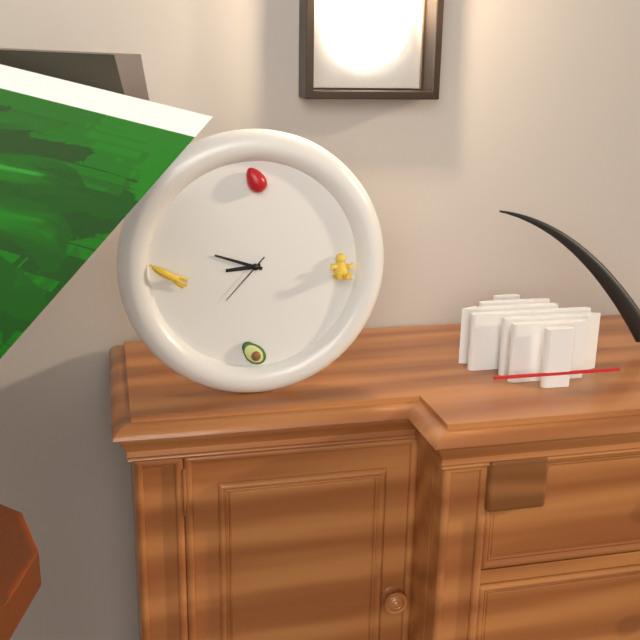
8:48:37
